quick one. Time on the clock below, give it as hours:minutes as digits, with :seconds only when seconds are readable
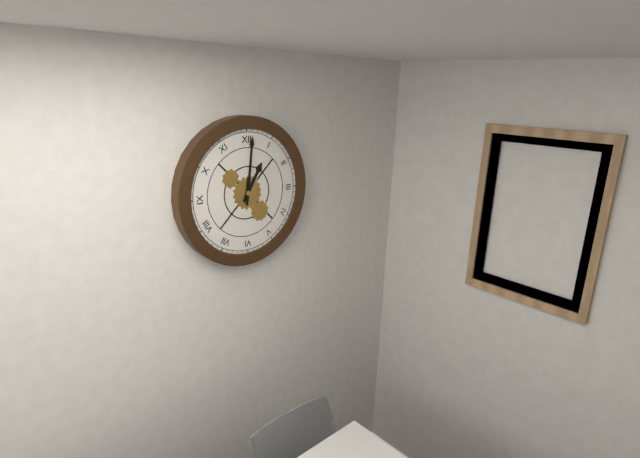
1:01
